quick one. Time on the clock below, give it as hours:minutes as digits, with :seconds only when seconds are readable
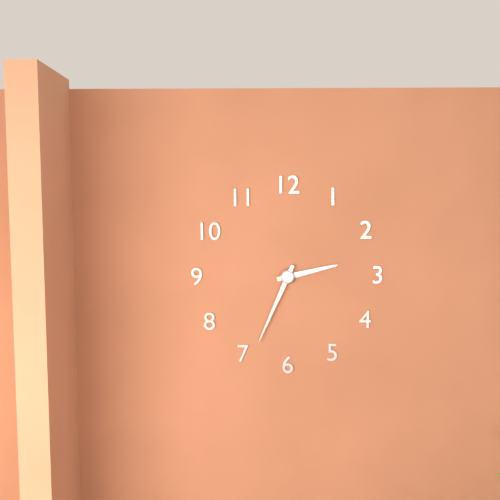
2:34
